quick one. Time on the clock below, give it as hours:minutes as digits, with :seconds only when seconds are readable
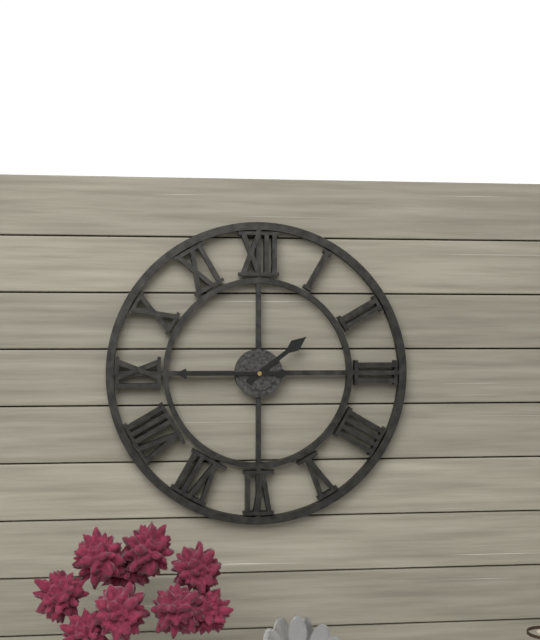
1:45
